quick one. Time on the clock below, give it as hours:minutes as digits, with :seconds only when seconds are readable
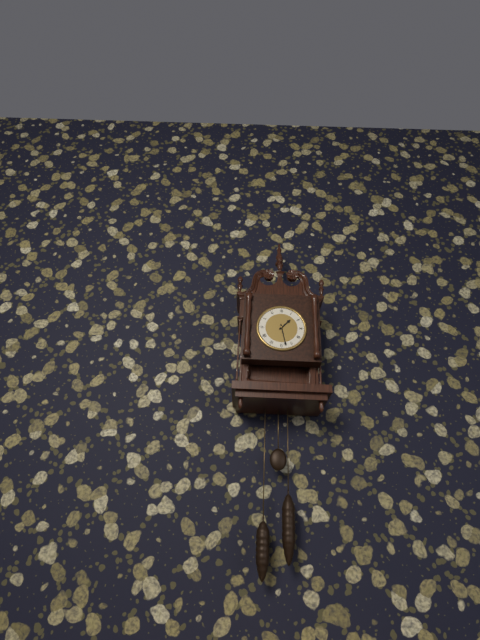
1:28
